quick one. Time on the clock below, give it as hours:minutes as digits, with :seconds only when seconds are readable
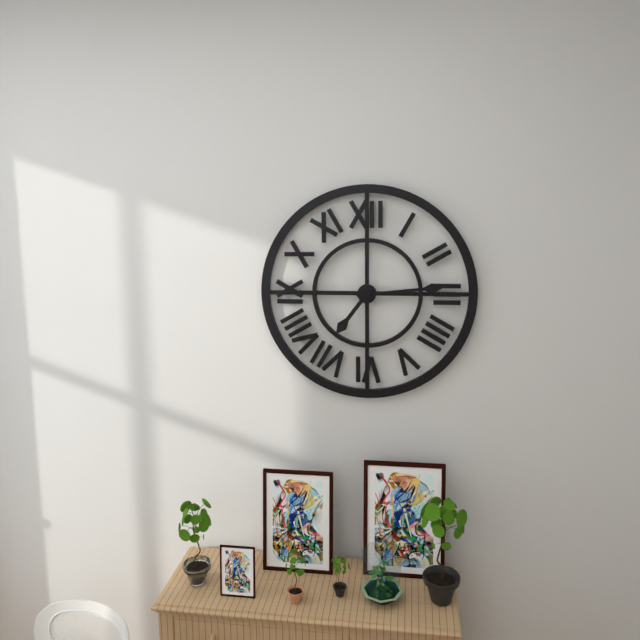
7:14
